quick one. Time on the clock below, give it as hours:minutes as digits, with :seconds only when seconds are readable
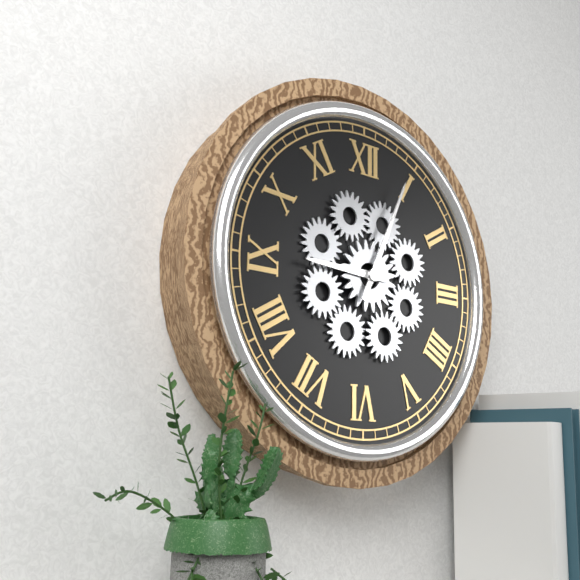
9:04
